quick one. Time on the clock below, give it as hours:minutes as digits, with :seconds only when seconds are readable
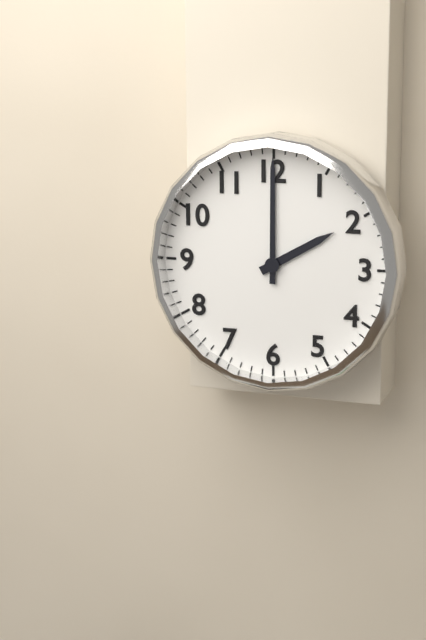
2:00
